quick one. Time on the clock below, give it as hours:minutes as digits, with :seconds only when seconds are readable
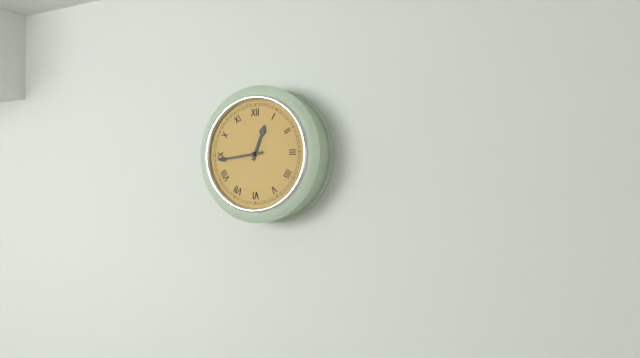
12:44
